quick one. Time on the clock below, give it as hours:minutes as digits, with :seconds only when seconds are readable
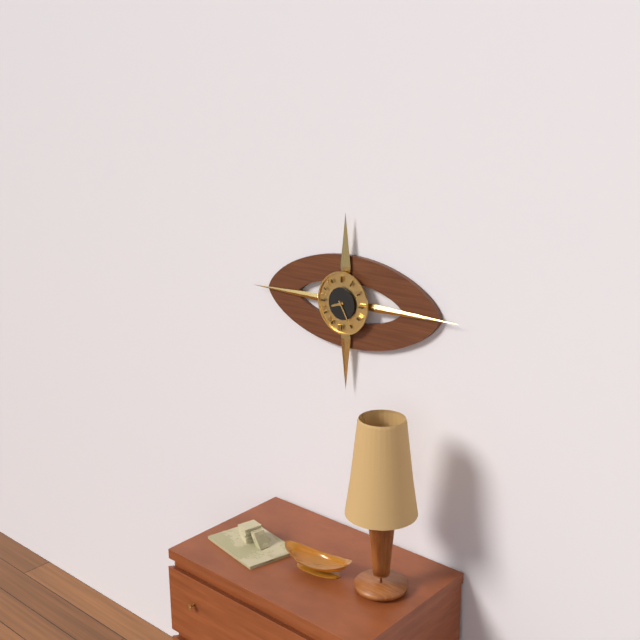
8:25
